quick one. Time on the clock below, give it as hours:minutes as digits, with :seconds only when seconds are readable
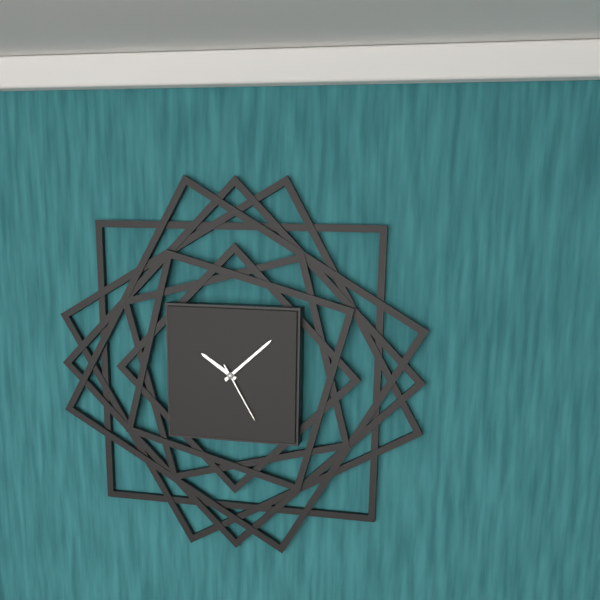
10:08:25
